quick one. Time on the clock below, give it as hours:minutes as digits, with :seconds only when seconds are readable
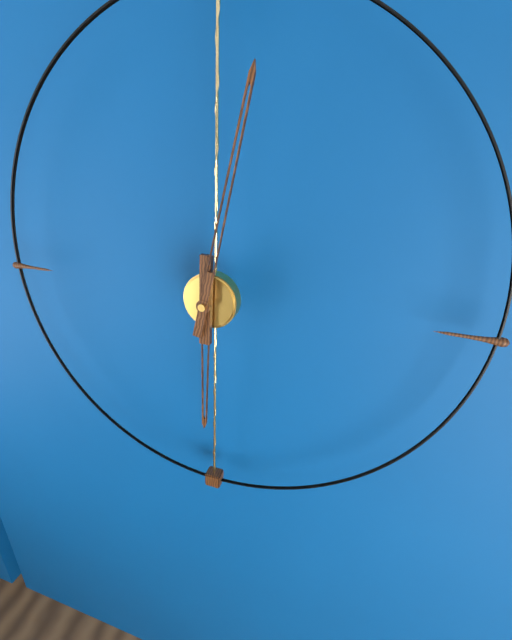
6:02
